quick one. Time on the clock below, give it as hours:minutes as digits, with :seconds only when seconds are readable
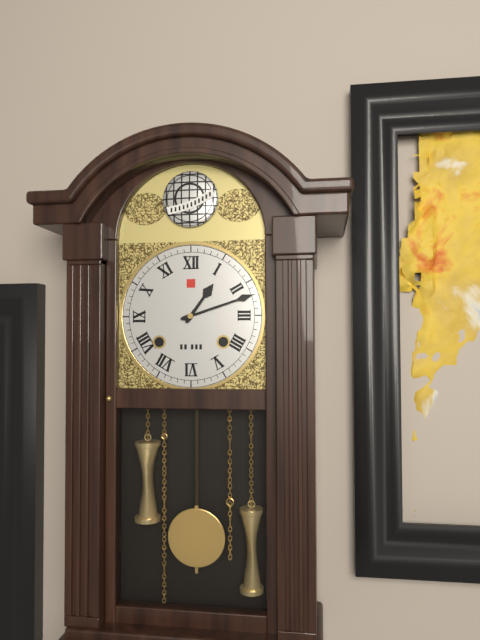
1:12
